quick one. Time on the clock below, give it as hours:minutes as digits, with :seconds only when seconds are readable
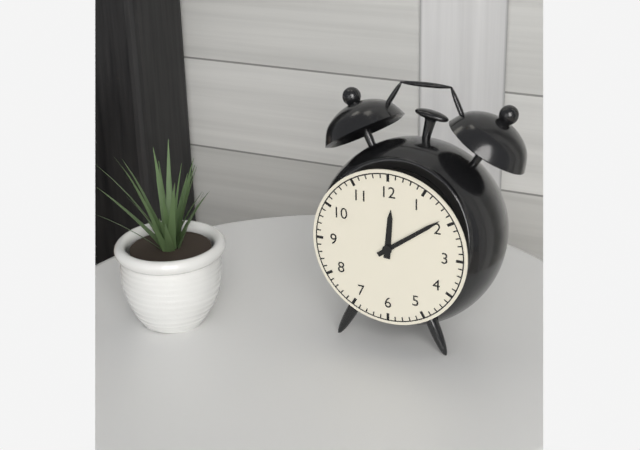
12:09
